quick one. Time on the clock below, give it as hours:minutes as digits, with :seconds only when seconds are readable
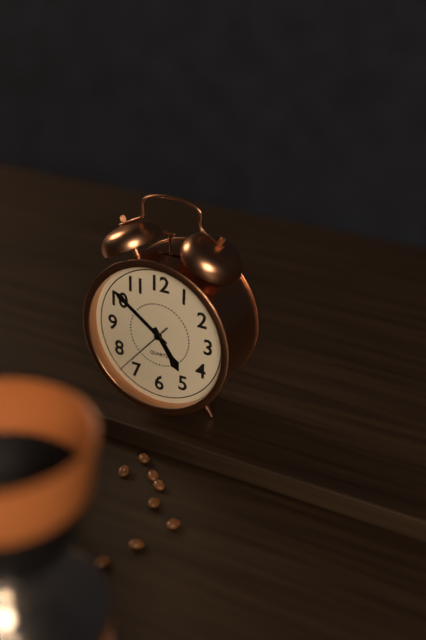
4:51:37
